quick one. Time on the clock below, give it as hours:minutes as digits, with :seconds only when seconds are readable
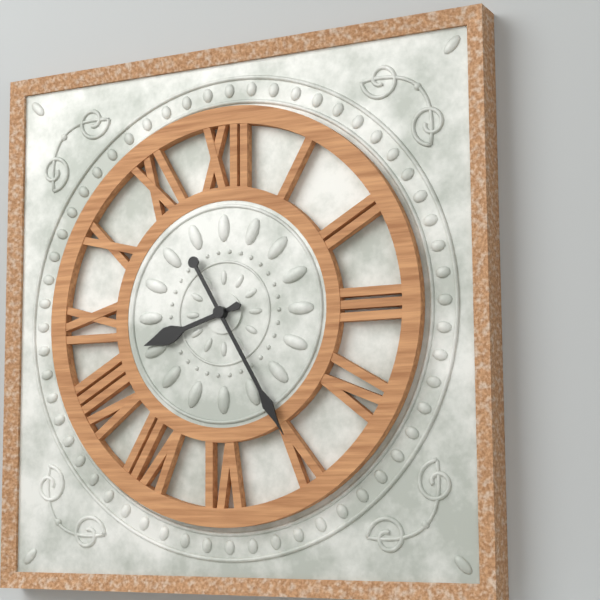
8:25
